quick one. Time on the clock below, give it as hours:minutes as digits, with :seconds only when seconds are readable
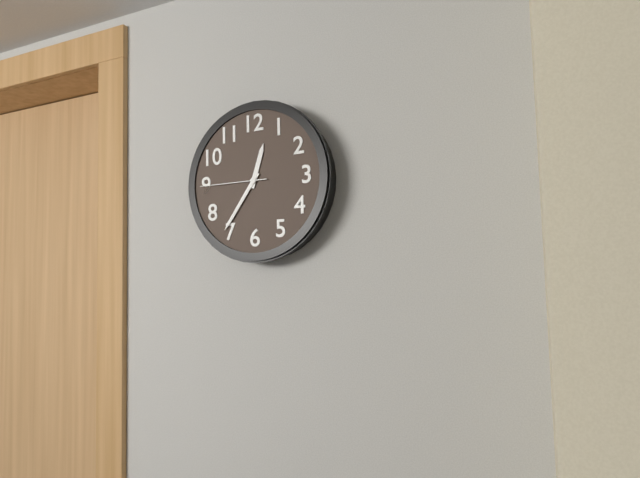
12:36:45
